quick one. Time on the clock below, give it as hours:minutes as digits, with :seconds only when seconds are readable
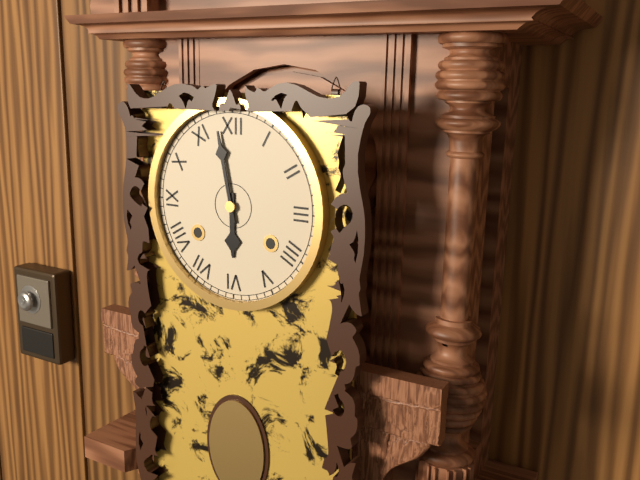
5:58
